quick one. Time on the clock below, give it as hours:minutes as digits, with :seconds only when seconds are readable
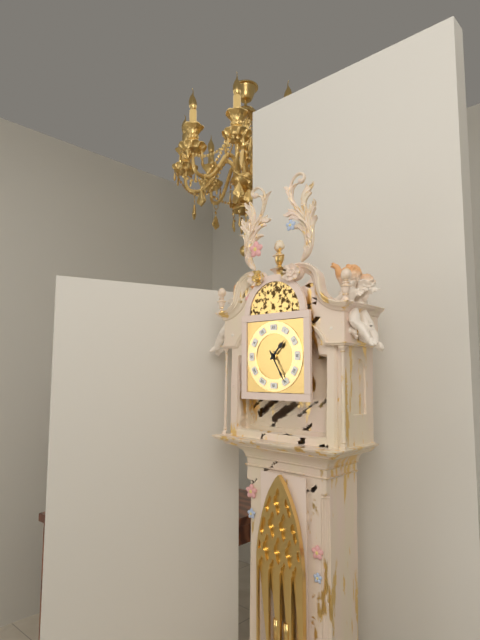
1:25
